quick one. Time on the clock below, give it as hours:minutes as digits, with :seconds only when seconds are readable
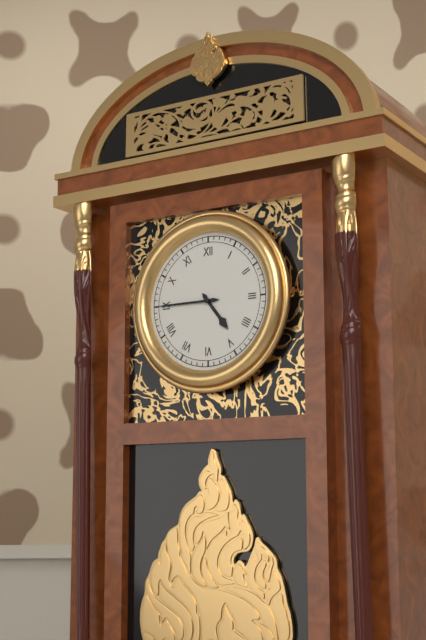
4:45
